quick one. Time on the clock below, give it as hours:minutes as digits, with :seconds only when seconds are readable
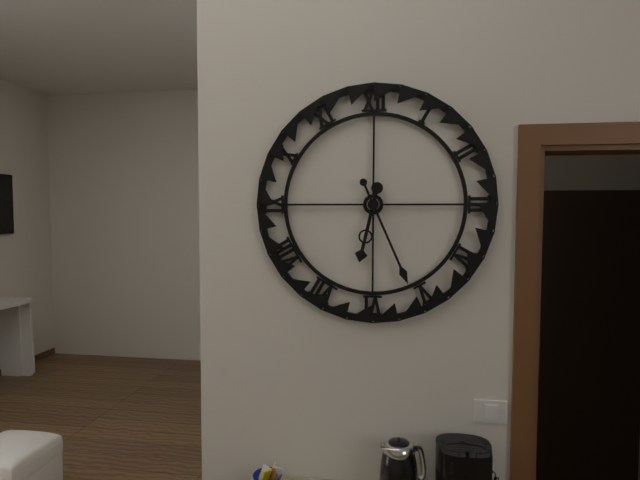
6:26
